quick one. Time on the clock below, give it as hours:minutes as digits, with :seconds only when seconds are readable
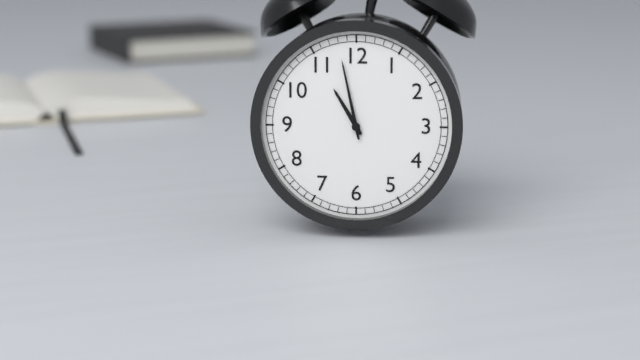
10:58
